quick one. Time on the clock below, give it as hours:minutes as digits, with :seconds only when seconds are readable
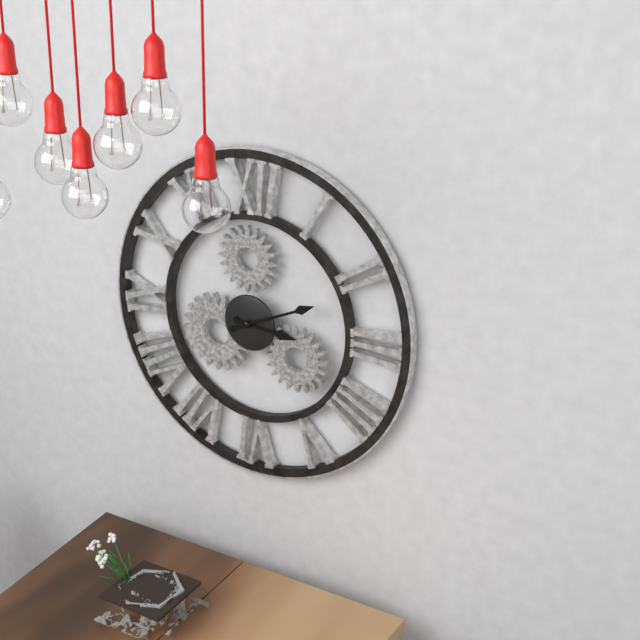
3:11
